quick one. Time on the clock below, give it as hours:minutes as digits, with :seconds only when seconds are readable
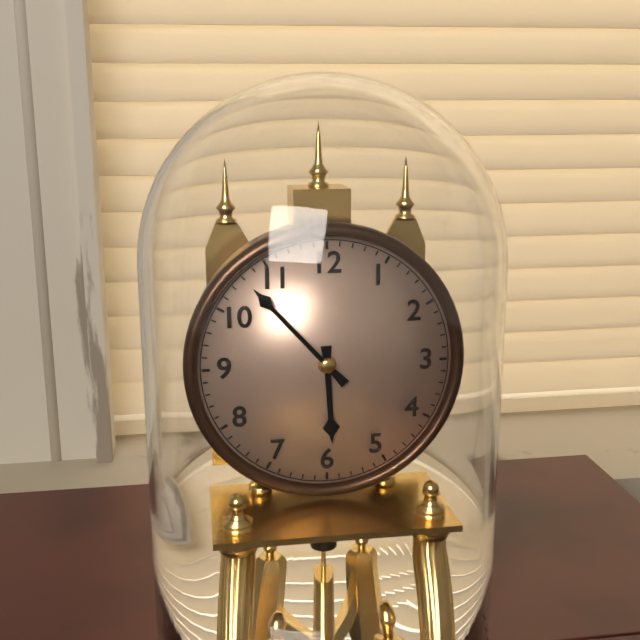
5:53
